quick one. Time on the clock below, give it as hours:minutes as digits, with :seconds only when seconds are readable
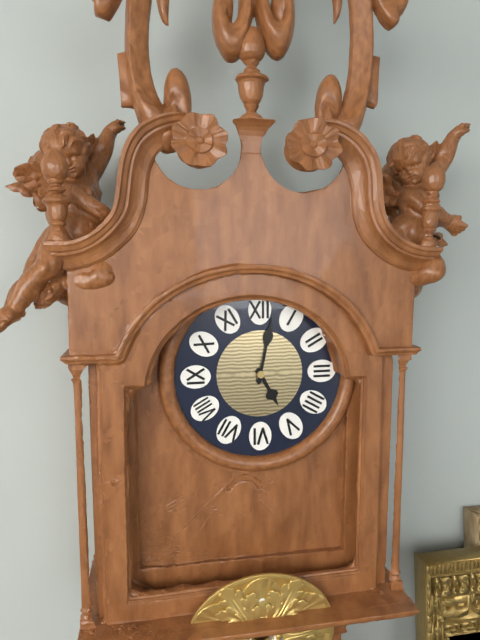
5:02
